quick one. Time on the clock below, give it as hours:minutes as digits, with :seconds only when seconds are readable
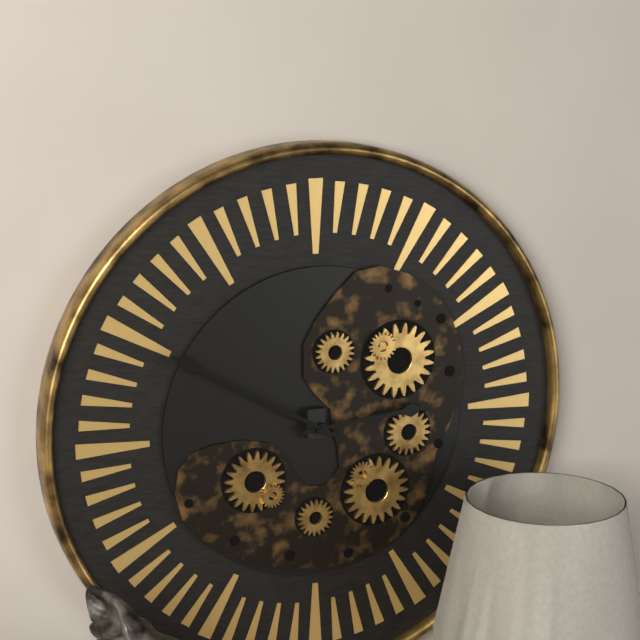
2:50
